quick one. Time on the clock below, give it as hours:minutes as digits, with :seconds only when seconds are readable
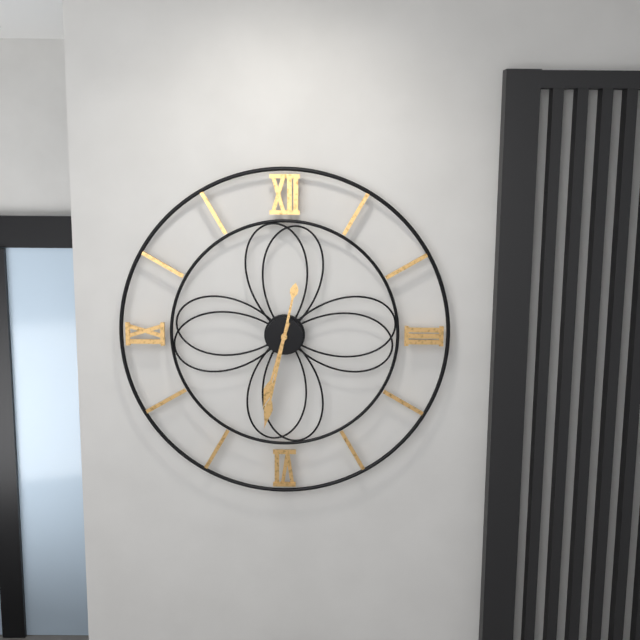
6:32
